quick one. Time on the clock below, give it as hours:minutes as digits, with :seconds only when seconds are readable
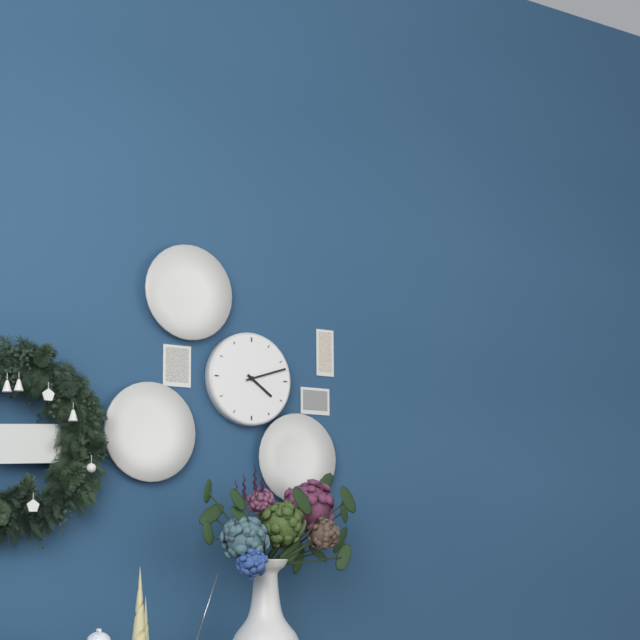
4:12
